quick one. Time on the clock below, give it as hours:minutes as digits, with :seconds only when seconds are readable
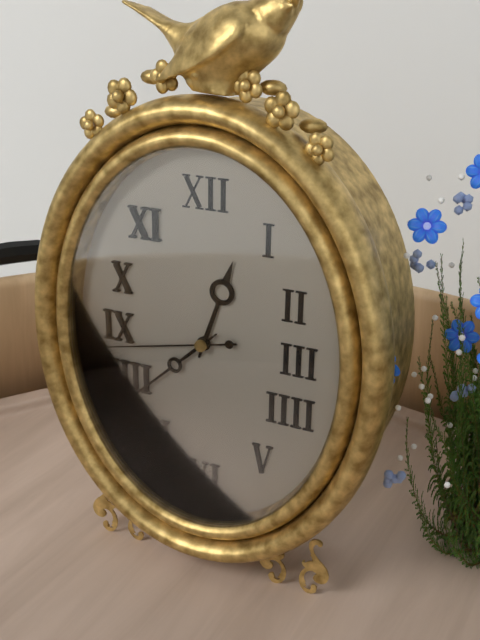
12:38:43
